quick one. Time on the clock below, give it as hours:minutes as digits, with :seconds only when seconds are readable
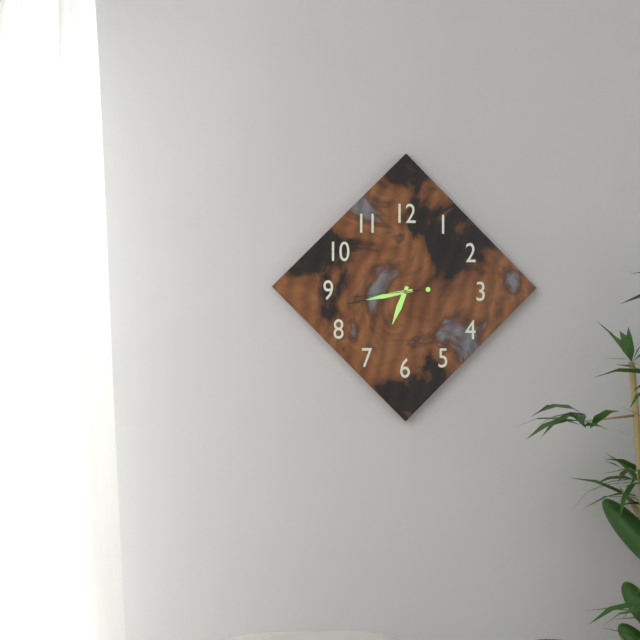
6:43:44
